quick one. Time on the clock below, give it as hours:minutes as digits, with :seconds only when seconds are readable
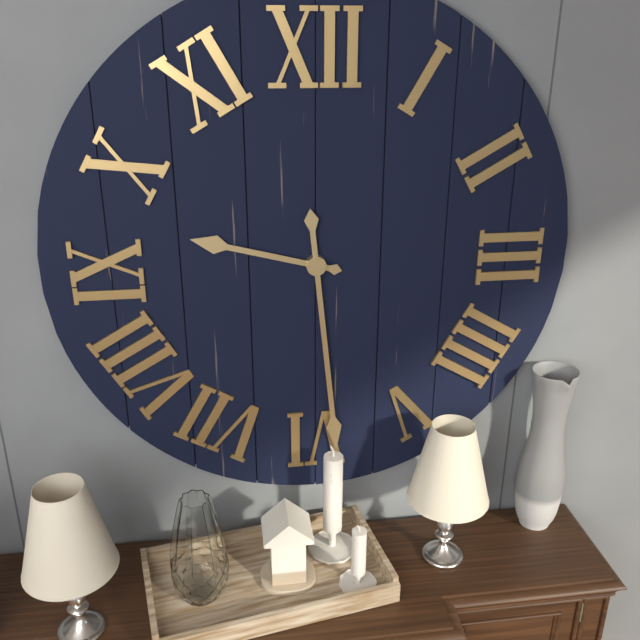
9:29
